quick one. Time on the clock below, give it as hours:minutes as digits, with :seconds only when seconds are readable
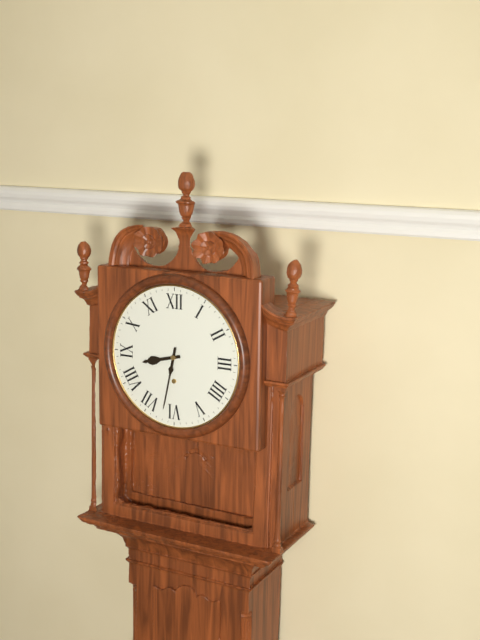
8:32
